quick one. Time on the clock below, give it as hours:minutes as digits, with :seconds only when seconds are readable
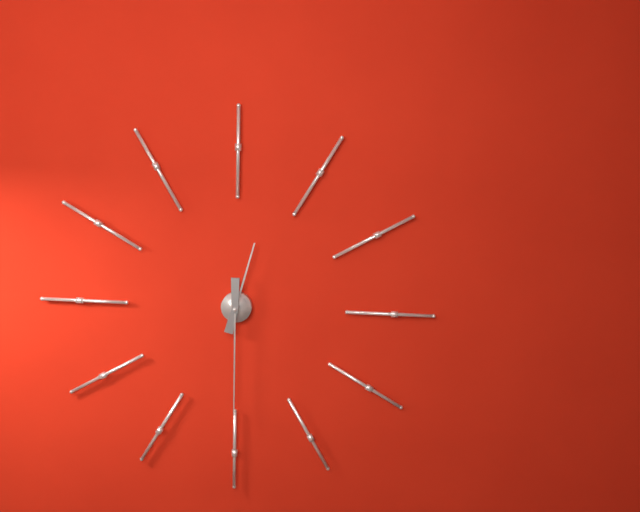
12:30
